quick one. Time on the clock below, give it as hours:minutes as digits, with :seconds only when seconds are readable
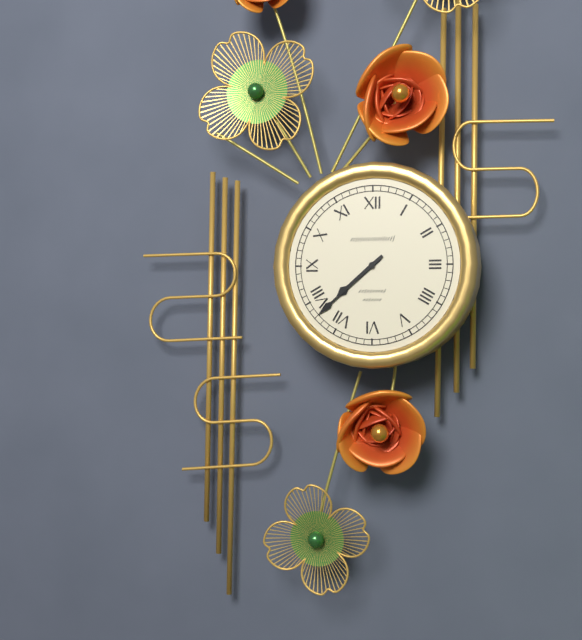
7:38
